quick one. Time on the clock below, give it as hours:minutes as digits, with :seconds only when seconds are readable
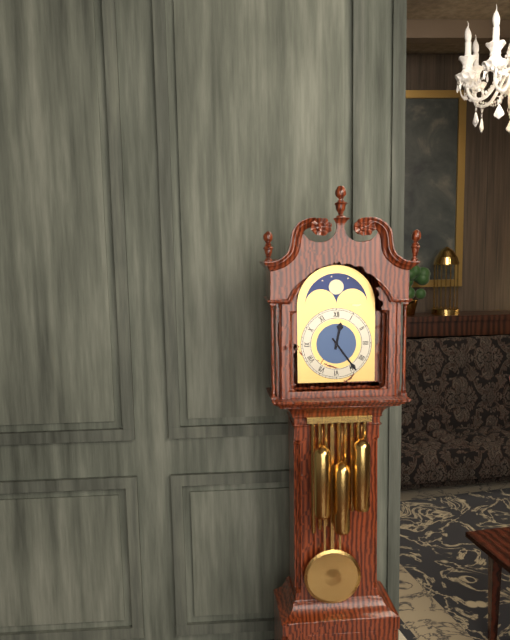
12:24
